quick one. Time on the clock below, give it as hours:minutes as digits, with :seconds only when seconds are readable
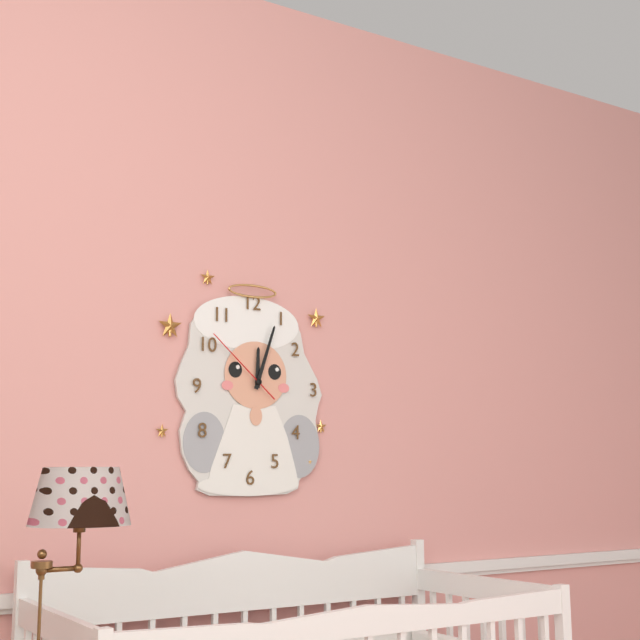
12:03:52
